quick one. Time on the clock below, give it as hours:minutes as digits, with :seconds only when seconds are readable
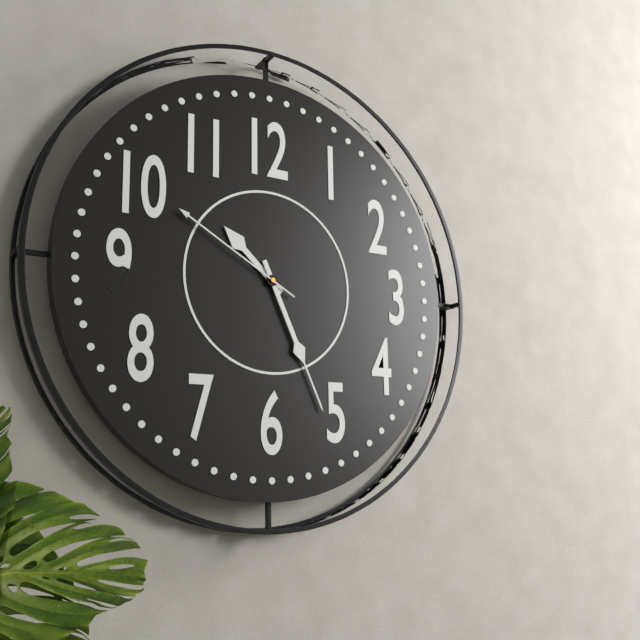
10:26:50
